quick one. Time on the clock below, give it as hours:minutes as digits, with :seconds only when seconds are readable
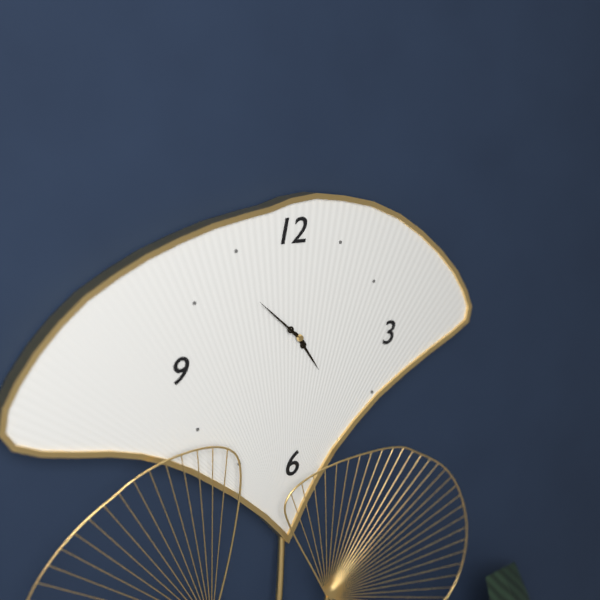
4:52
